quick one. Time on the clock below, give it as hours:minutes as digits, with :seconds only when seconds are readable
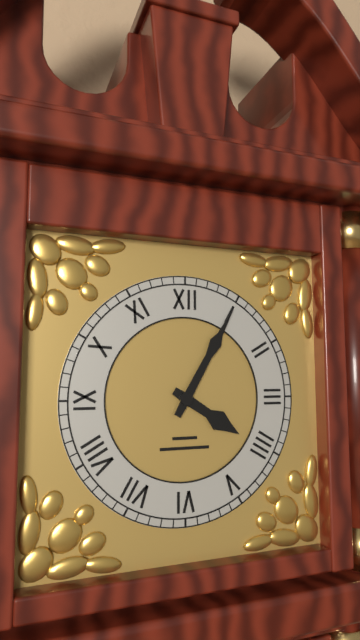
4:05
